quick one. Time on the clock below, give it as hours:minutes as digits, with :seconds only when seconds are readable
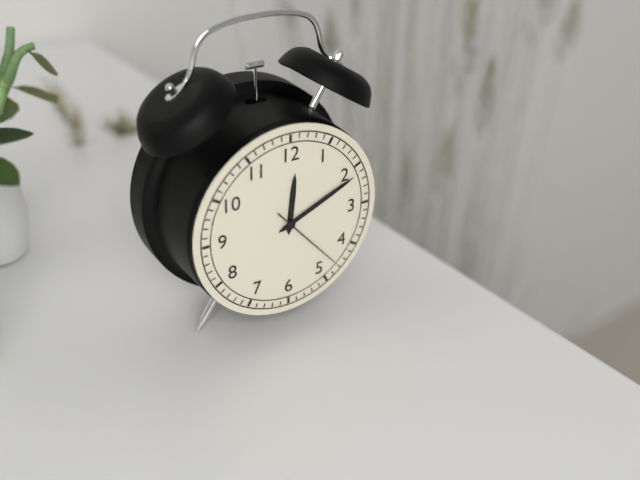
12:11:23
